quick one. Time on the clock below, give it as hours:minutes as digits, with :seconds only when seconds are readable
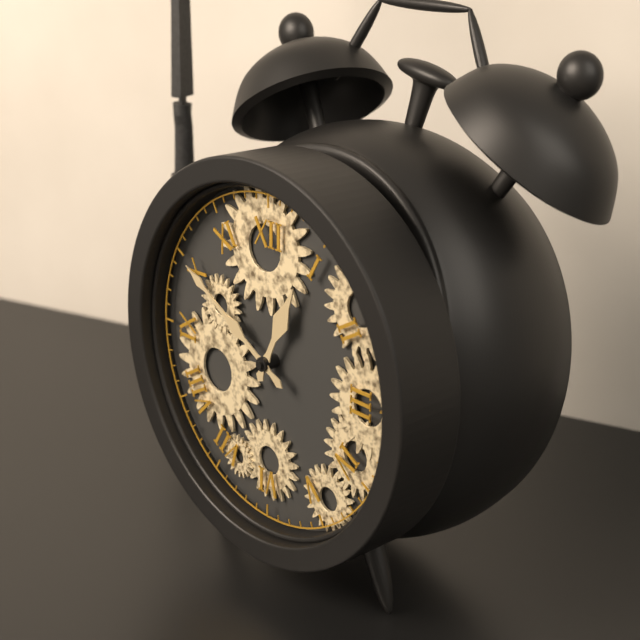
12:50
